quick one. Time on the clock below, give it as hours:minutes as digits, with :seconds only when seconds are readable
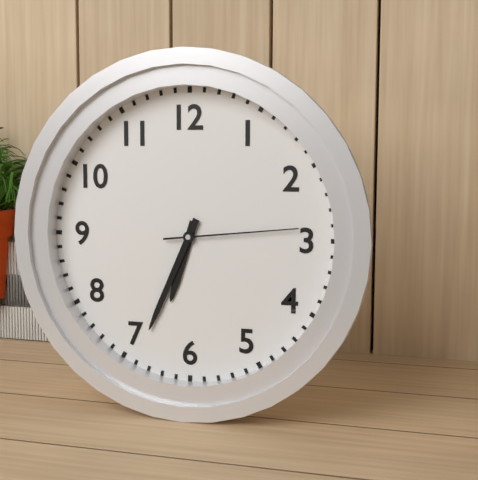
6:34:14
